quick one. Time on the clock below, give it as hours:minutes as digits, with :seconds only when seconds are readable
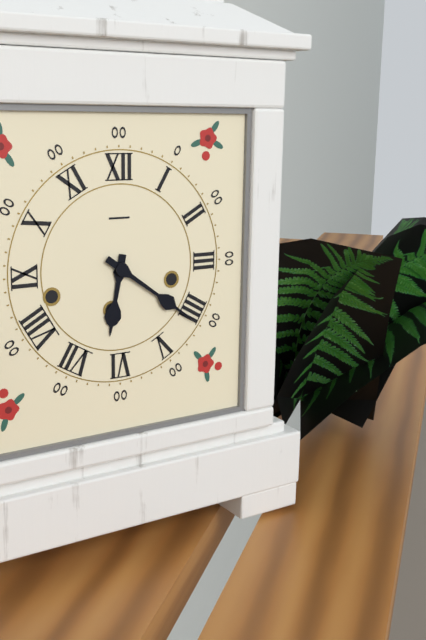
6:21
